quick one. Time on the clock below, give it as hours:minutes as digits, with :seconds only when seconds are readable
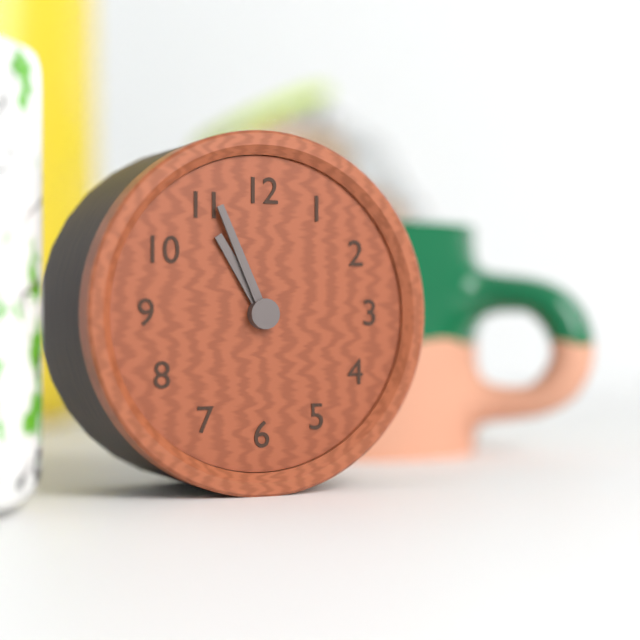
10:56
